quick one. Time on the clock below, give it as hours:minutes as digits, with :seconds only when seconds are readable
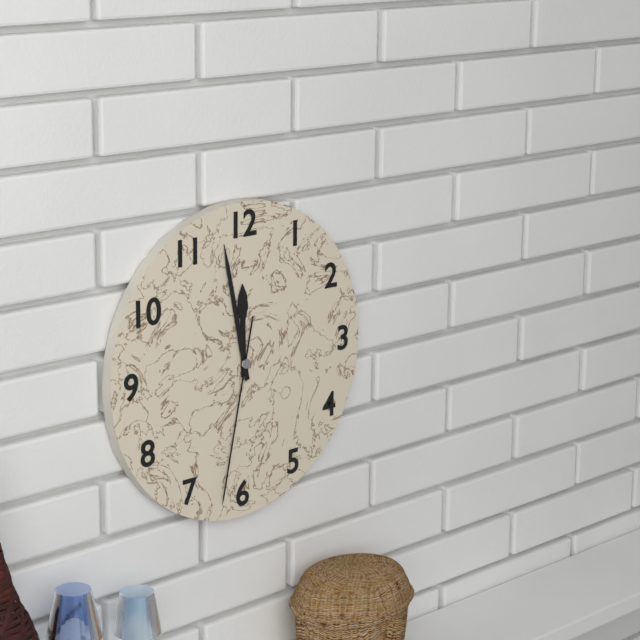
11:58:32
